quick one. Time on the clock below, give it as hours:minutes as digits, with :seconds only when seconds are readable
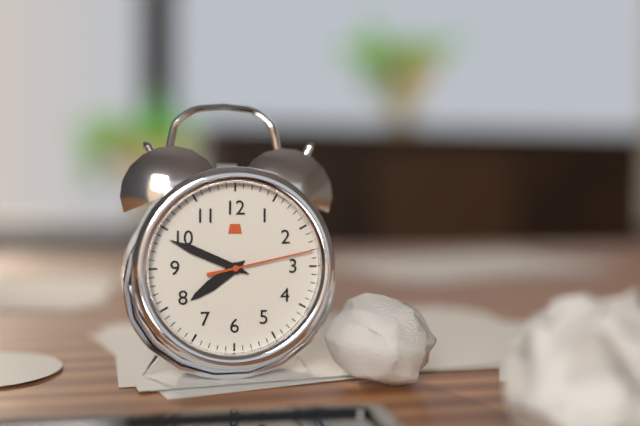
7:49:13
